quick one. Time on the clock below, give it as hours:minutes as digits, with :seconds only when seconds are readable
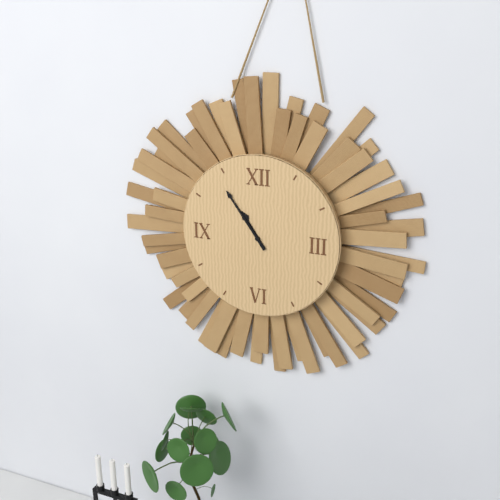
10:54
